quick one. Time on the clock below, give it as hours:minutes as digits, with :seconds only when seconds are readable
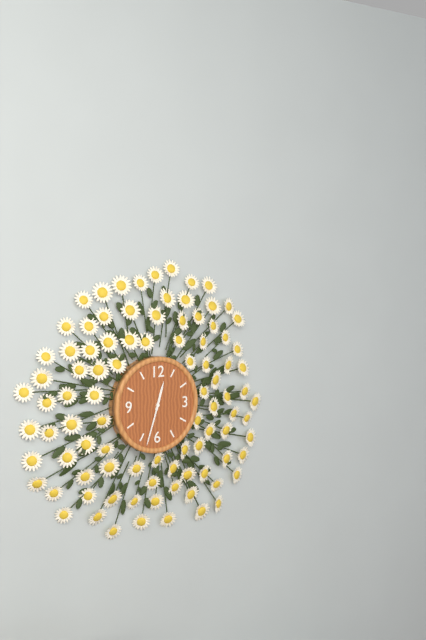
12:33
